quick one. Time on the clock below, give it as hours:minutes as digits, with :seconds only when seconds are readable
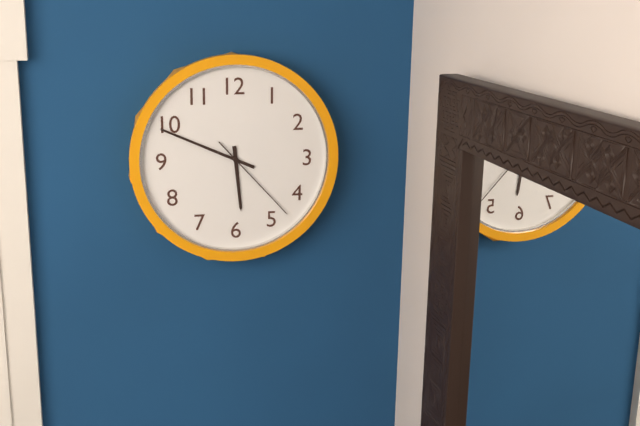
5:49:23
